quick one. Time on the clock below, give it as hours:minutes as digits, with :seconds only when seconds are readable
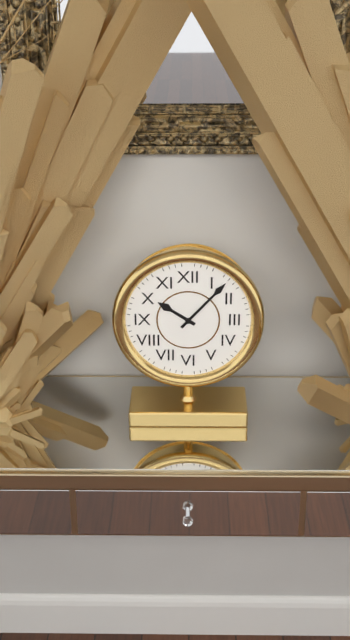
10:07
